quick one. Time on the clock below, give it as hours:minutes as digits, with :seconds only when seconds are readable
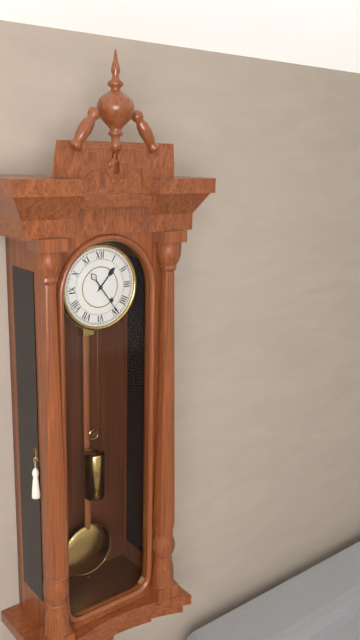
1:24
